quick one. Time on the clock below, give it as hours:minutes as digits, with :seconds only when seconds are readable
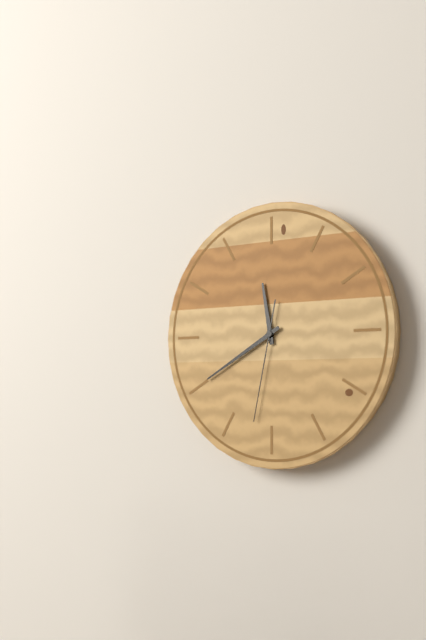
11:40:32
